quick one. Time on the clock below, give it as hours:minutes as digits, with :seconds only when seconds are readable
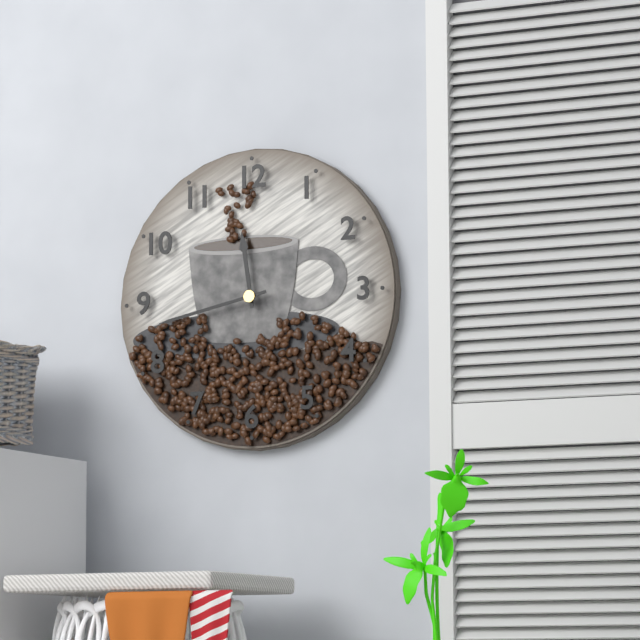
11:43
